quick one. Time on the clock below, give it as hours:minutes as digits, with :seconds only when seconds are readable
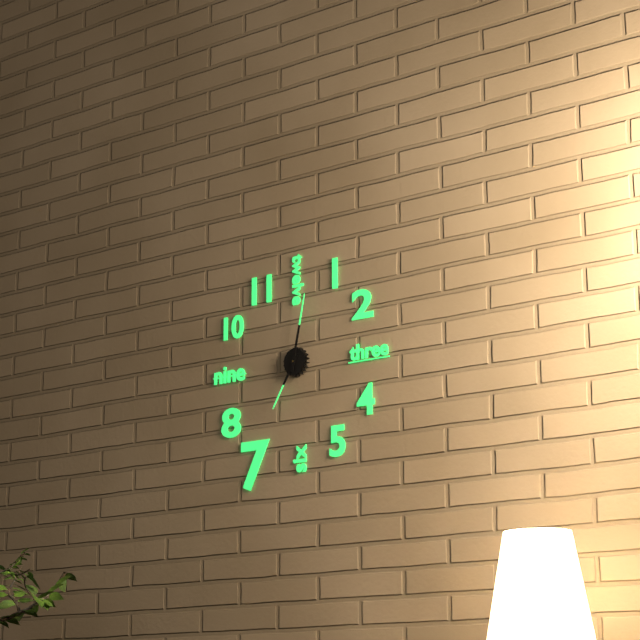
7:02
